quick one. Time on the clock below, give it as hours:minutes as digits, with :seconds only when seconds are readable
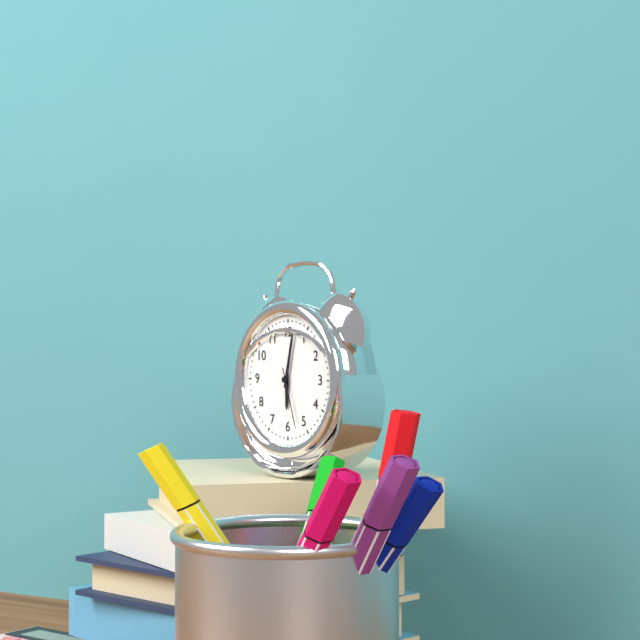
6:02:27
